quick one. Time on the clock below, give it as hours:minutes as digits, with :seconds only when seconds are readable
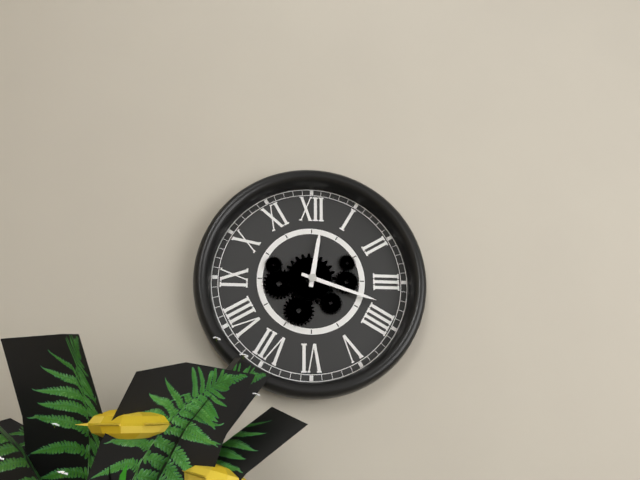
12:18
